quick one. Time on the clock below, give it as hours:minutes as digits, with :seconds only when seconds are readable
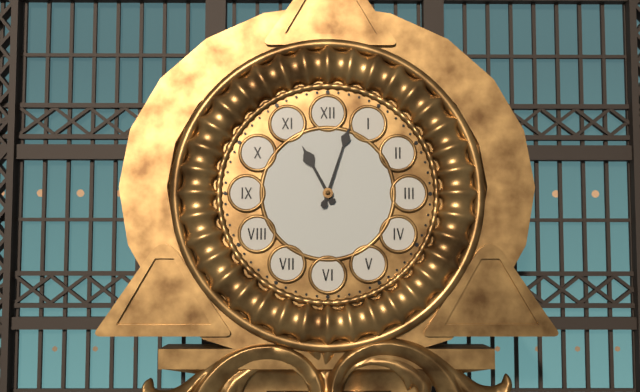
11:03
